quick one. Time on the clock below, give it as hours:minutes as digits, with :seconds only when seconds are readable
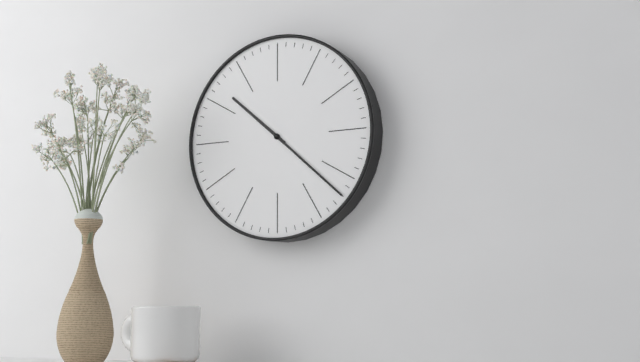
10:22
